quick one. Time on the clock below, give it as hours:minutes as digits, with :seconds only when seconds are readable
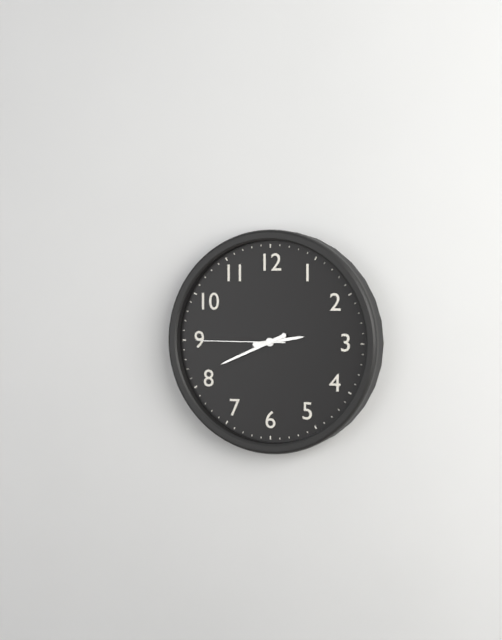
2:41:45
